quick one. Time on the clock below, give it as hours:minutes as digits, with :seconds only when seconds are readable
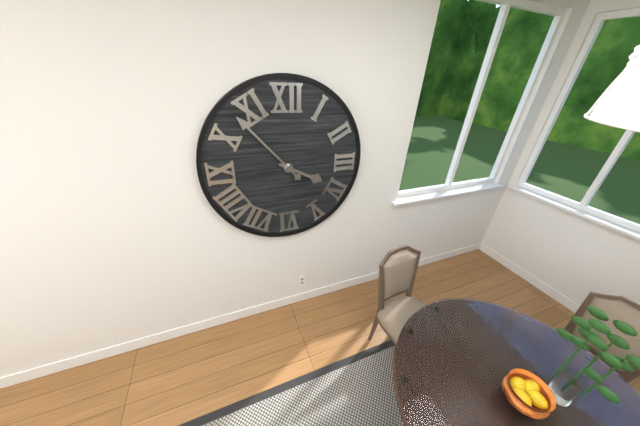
3:53
